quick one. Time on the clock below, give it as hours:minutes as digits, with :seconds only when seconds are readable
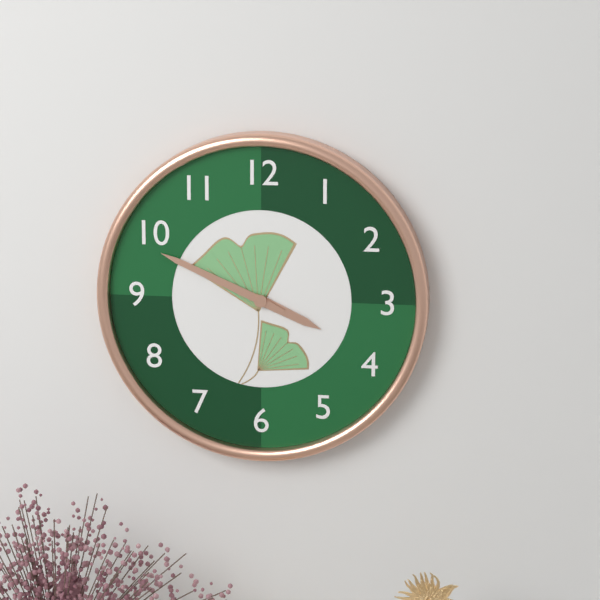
3:49
